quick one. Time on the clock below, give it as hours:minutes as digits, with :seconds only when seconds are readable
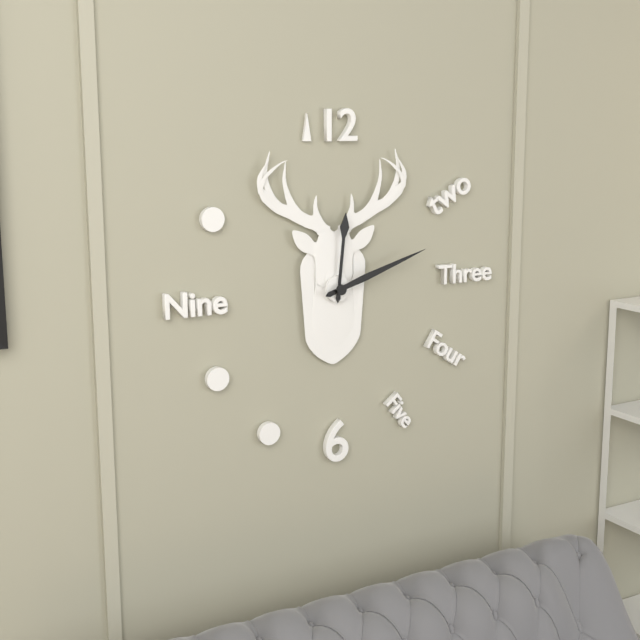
12:12
